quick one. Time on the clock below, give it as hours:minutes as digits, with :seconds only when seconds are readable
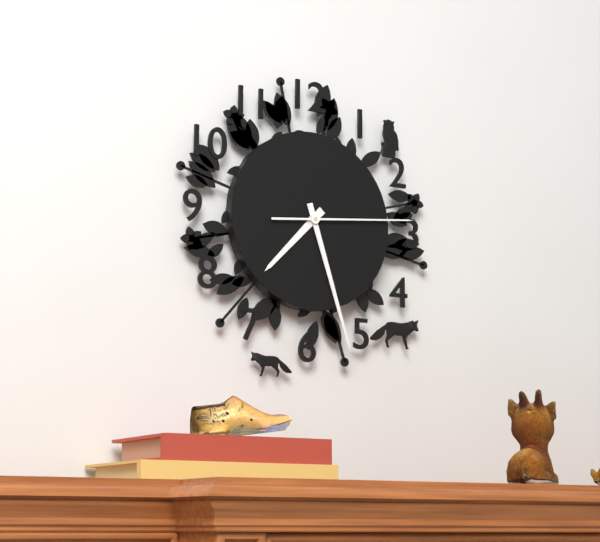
7:27:14
